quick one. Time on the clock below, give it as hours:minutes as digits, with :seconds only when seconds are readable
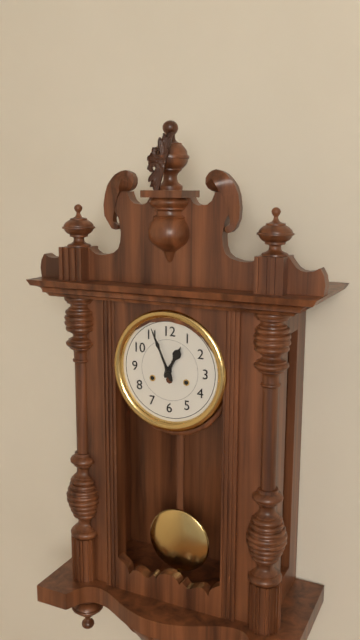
12:56
